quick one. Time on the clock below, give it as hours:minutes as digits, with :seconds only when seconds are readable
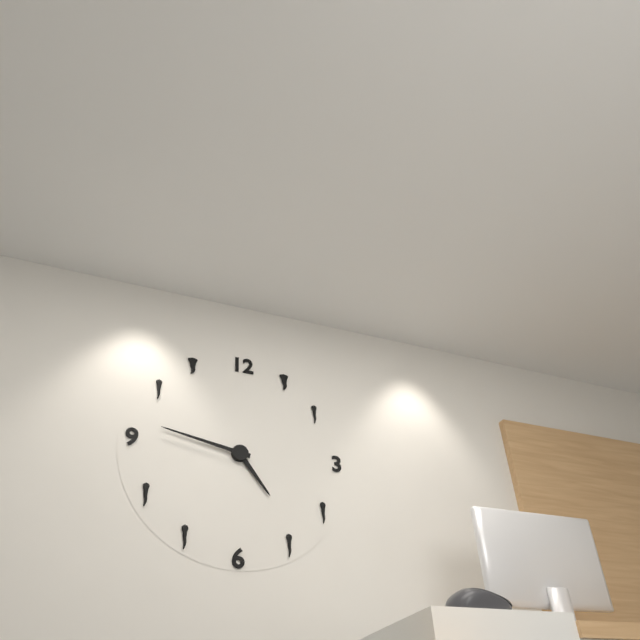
4:47
